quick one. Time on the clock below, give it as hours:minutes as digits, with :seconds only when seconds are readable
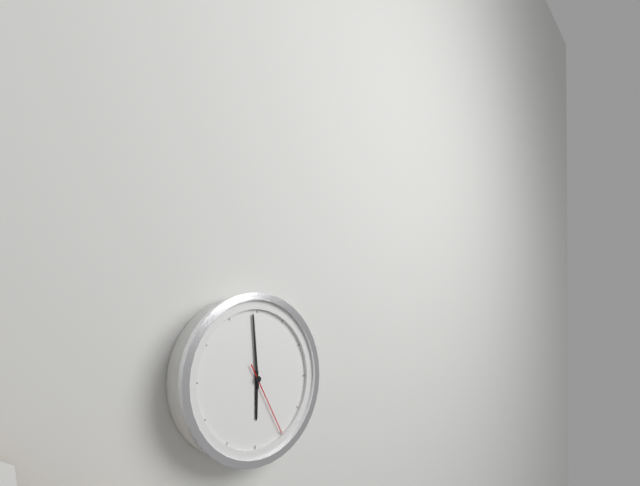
5:59:25
